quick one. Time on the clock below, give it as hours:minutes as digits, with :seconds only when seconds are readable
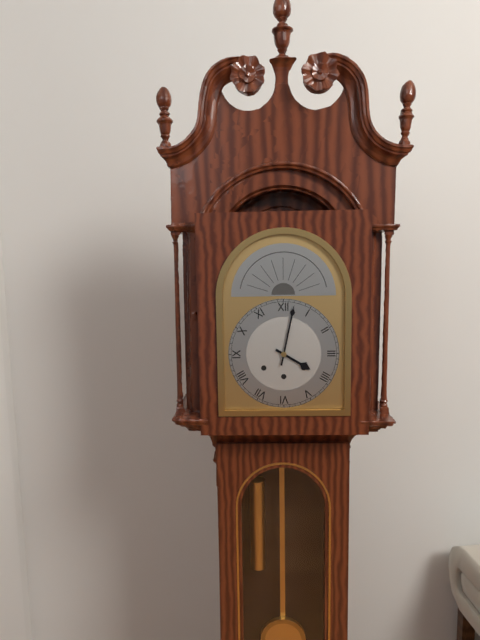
4:02
